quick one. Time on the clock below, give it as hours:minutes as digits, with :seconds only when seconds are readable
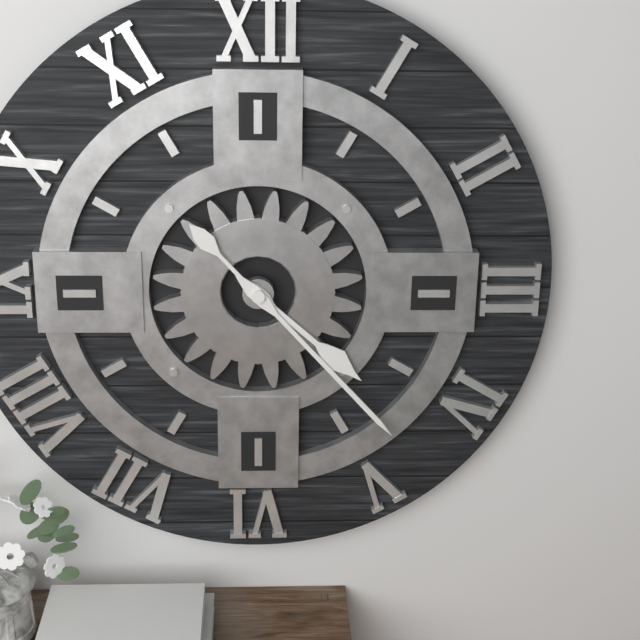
4:23
